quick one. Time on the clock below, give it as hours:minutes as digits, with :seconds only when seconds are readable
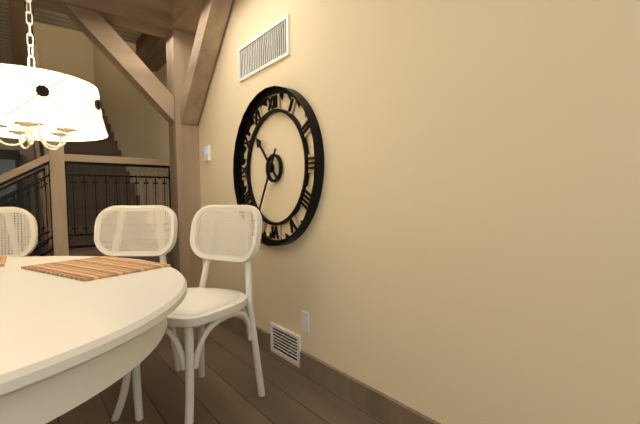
10:35
